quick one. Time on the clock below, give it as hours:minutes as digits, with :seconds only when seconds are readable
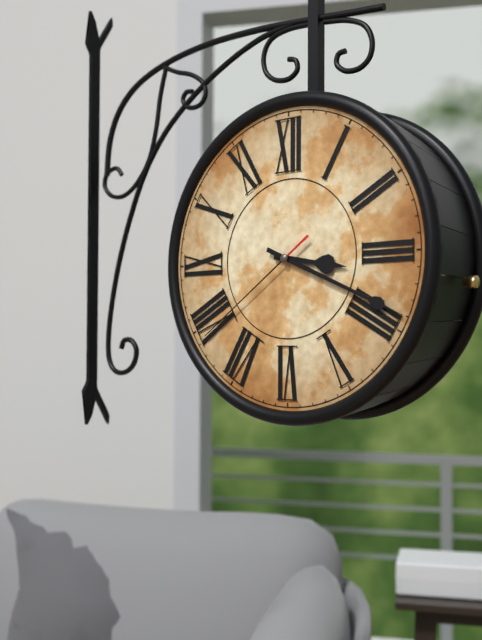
3:19:39
